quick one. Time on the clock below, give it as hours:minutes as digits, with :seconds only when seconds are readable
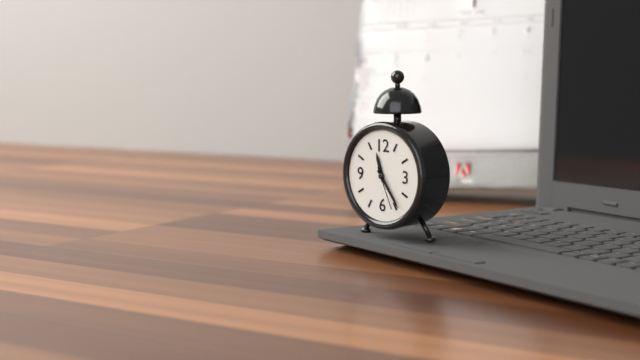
11:24
